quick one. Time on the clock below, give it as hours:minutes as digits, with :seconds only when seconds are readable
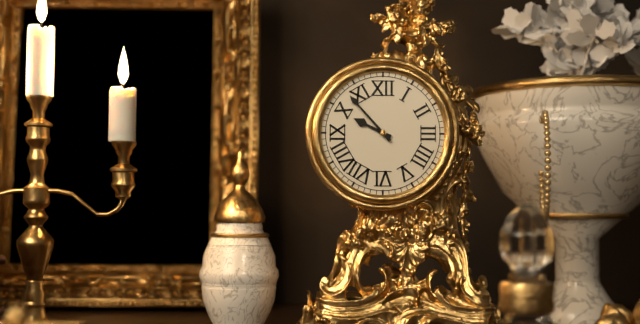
9:53
